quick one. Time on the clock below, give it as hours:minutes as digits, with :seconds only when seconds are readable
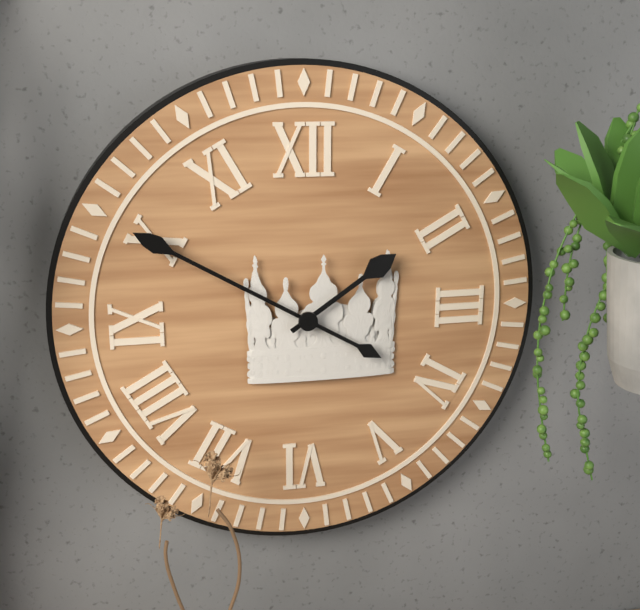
1:50
